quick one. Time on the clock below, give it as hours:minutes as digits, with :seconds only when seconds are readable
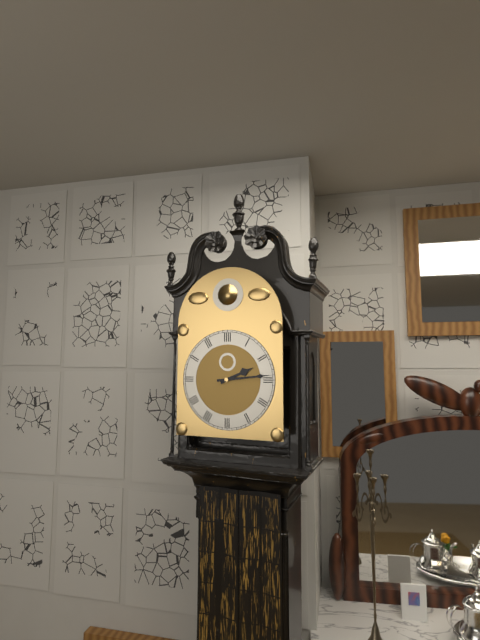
2:14
